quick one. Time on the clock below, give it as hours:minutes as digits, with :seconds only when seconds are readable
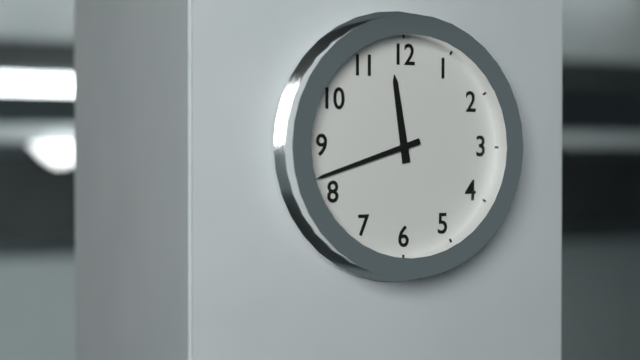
11:42
